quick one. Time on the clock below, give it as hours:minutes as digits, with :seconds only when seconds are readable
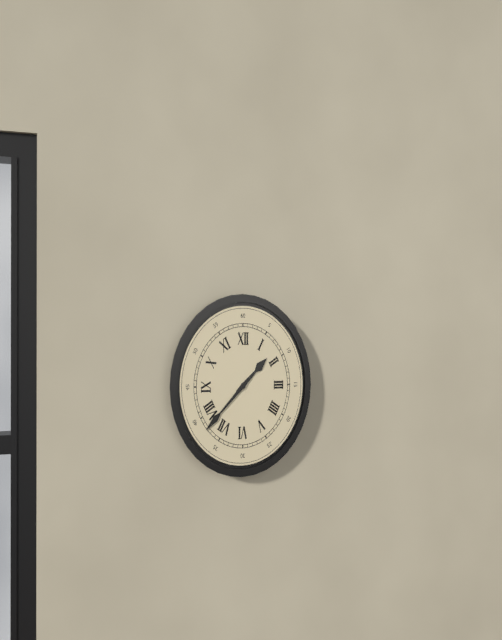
1:38
